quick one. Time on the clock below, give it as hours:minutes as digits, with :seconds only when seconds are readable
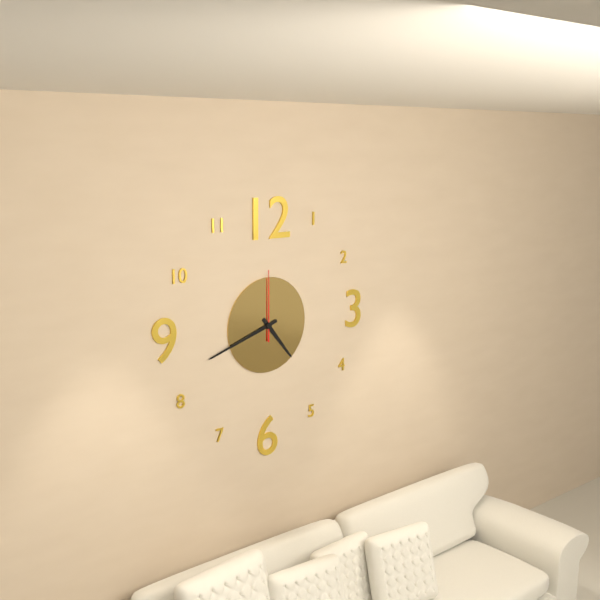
4:42:00
